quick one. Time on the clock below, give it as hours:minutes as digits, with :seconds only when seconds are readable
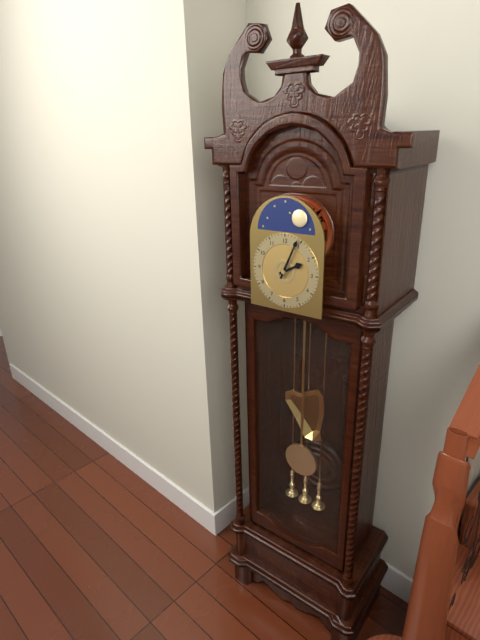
2:04
